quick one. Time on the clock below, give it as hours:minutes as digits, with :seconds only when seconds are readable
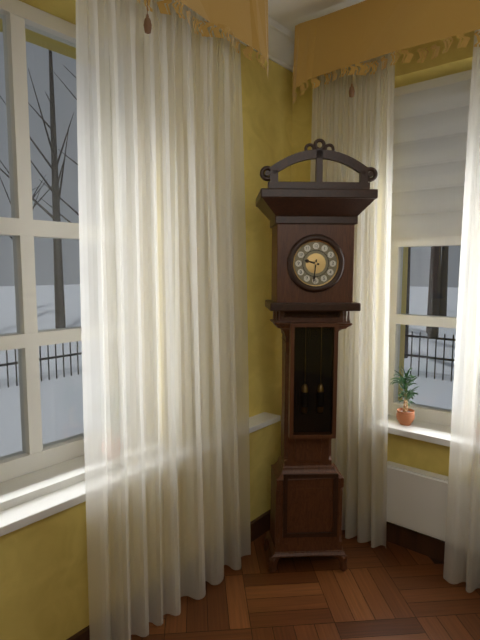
9:31
